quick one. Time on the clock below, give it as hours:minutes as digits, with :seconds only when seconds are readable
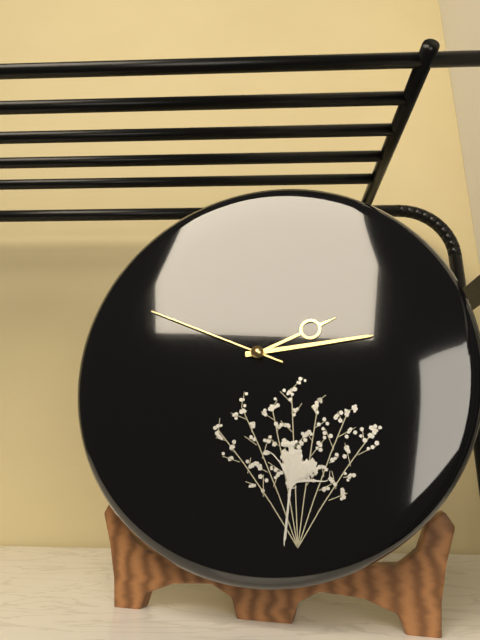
2:14:49
